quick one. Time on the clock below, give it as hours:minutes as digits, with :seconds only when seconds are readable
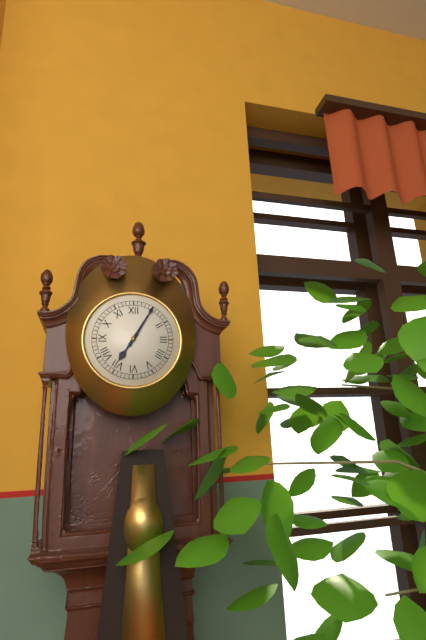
7:05
